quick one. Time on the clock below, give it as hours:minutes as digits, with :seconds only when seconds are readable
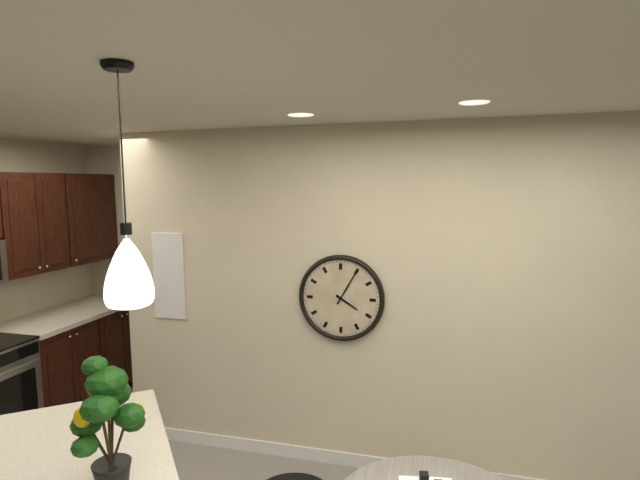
4:05
